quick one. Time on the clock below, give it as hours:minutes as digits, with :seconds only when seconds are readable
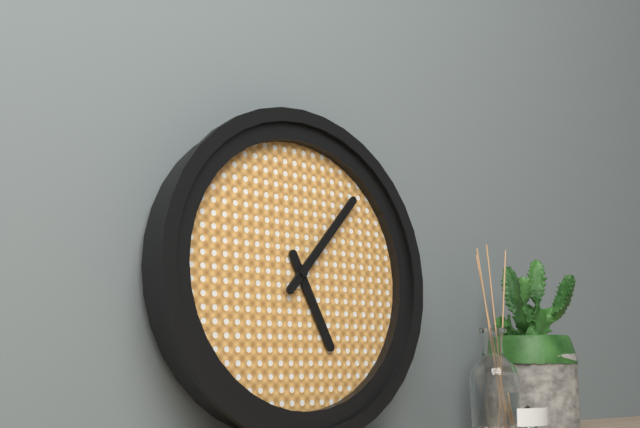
5:07
